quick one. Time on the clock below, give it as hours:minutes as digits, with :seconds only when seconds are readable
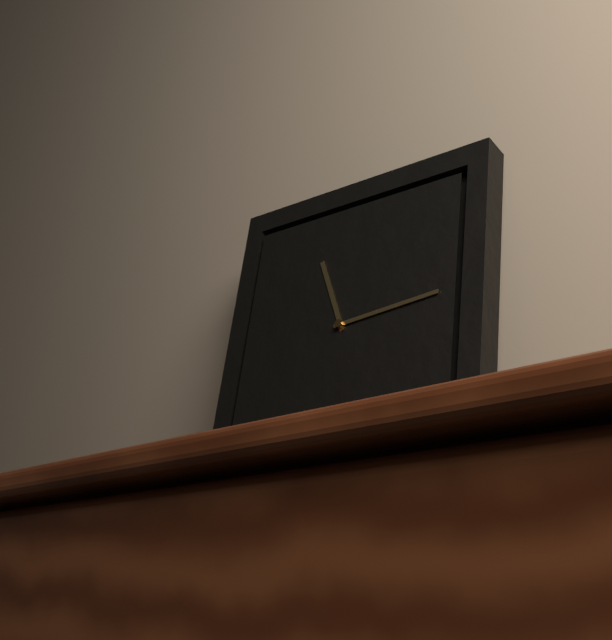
11:14
